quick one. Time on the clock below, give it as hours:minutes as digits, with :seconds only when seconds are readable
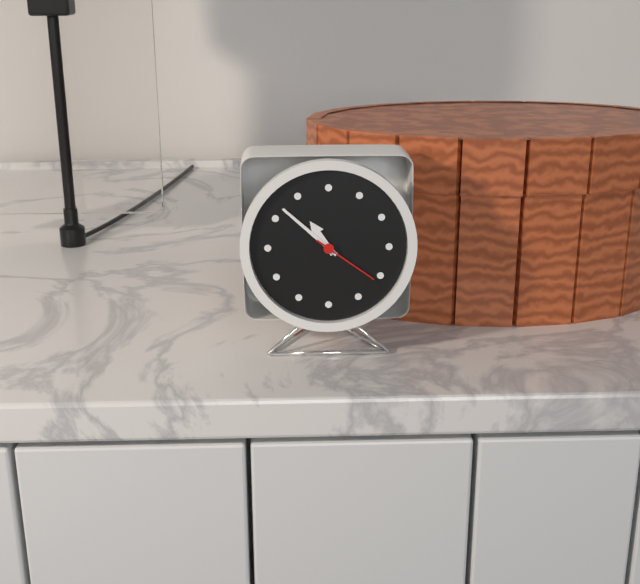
10:52:21
